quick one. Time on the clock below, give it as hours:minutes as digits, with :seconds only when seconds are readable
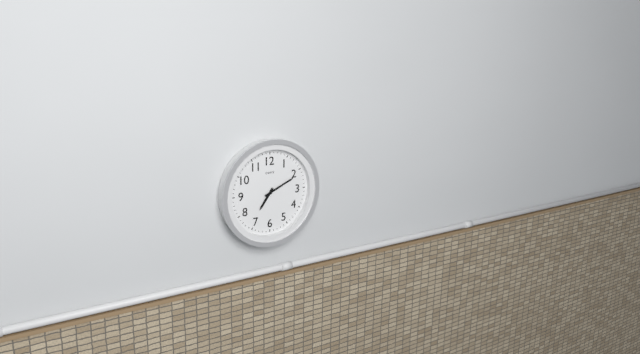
7:11
